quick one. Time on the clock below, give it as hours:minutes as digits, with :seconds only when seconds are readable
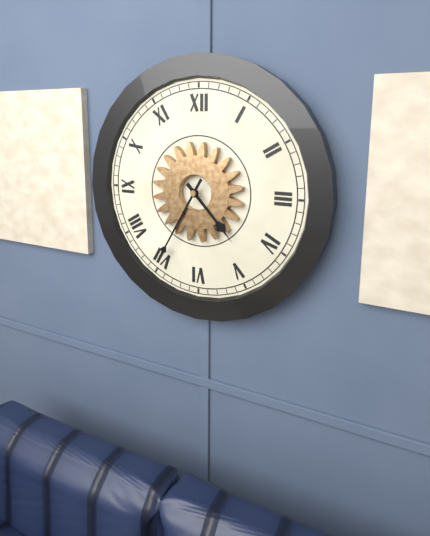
4:35
